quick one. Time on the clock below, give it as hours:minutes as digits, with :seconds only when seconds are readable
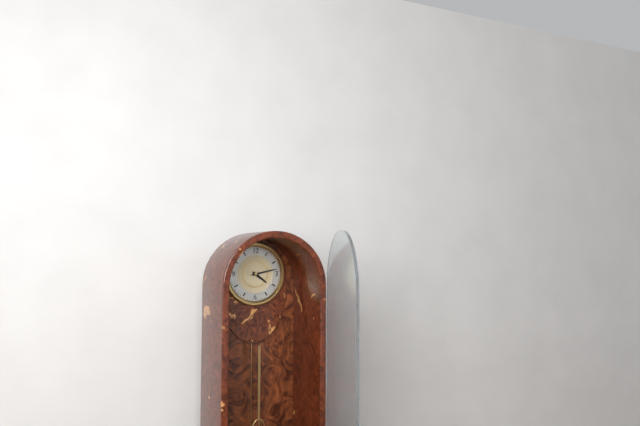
4:13
